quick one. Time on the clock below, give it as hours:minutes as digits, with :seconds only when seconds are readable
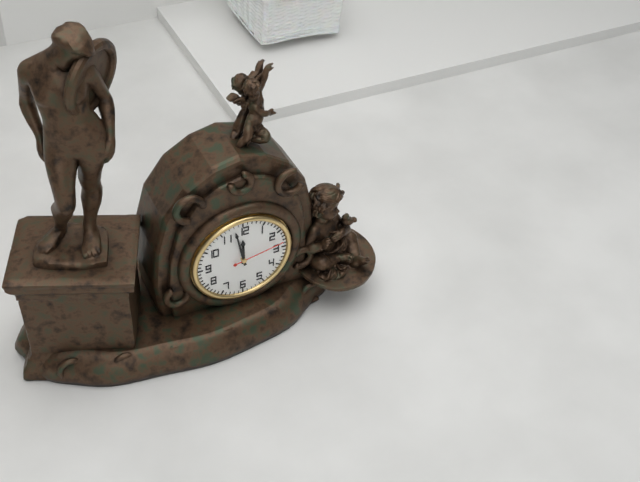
11:58:13
